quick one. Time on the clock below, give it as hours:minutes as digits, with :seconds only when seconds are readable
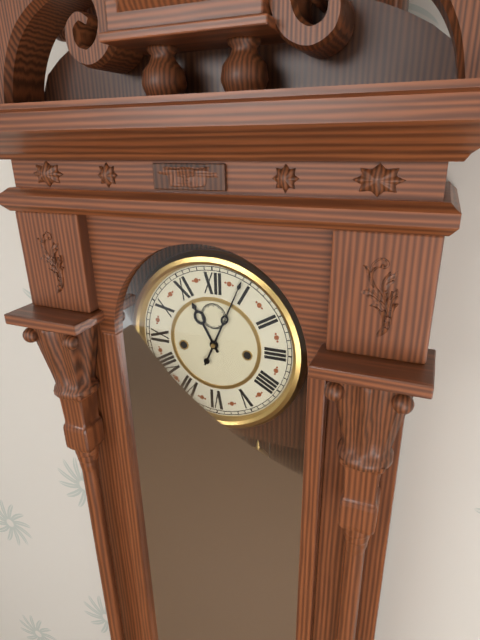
11:04
